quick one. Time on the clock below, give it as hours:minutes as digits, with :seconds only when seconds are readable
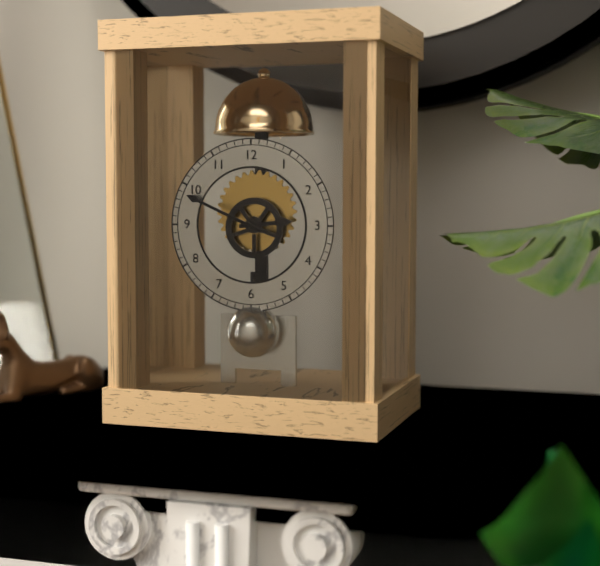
2:49
